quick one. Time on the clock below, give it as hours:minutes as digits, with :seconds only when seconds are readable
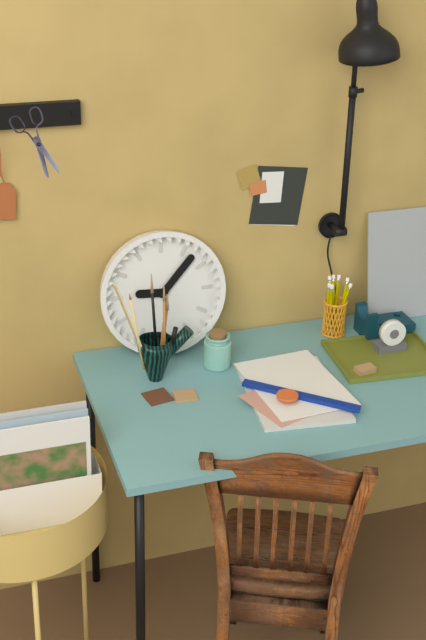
9:07
